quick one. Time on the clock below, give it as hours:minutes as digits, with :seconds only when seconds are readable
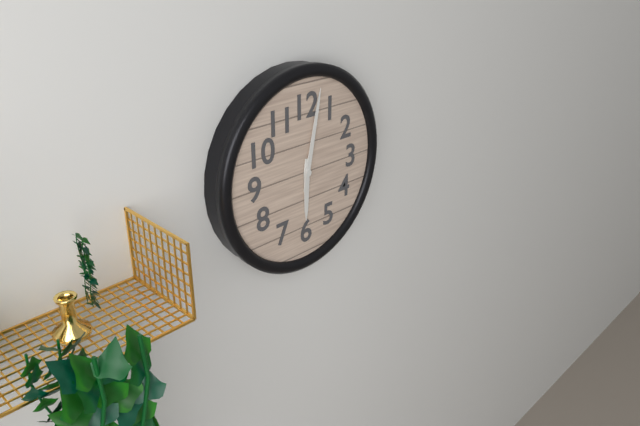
6:02
